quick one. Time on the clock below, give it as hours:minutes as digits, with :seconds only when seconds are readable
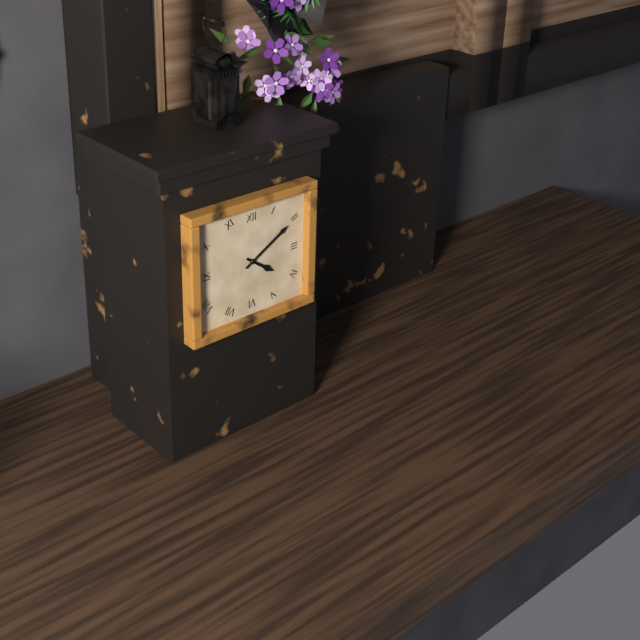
4:10
